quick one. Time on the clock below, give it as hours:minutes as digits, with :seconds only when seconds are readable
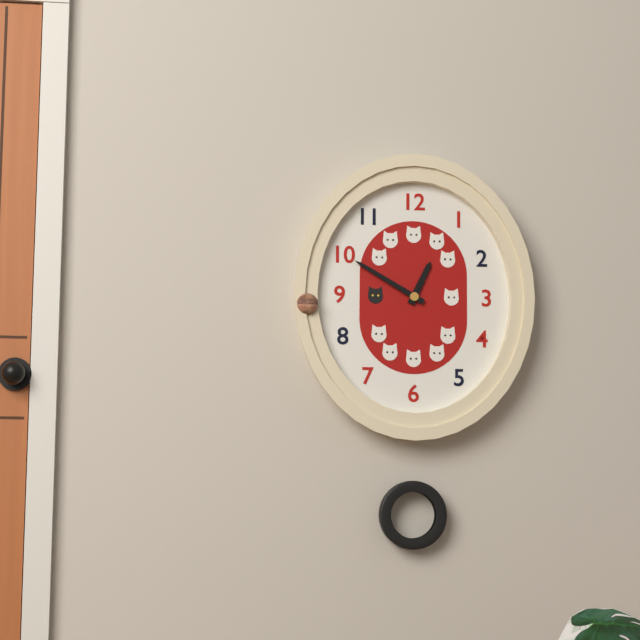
12:50
